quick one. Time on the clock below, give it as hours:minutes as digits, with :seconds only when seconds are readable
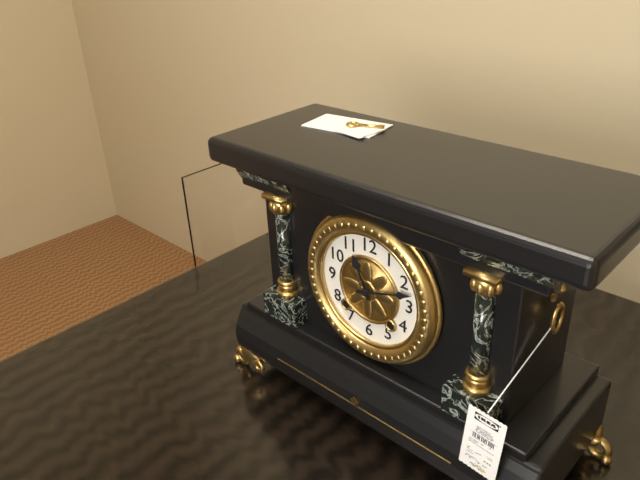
11:12
